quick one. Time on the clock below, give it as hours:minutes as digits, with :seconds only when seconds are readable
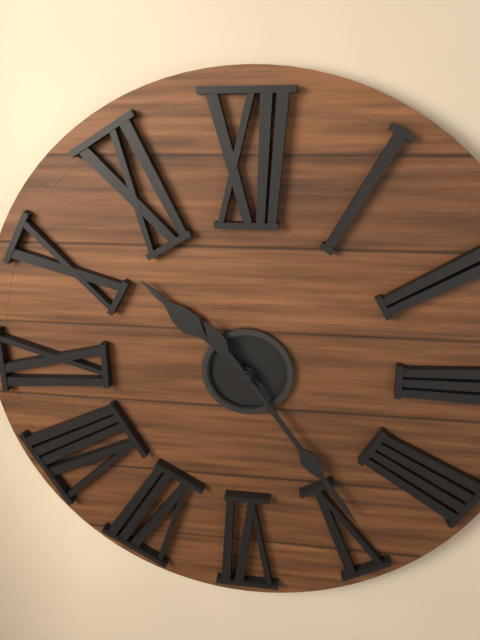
10:24
